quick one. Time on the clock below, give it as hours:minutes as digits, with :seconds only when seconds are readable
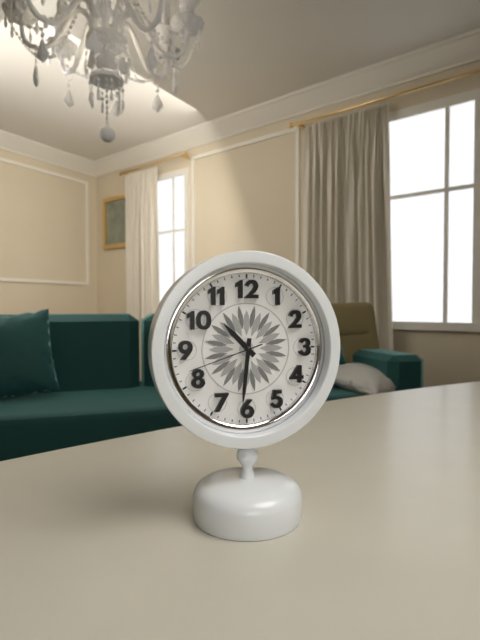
10:31:42
